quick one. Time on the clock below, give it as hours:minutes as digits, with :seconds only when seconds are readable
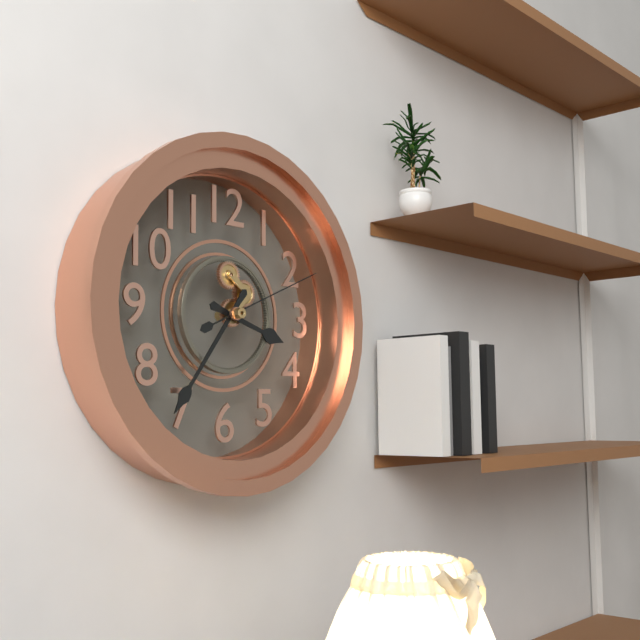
3:36:11
